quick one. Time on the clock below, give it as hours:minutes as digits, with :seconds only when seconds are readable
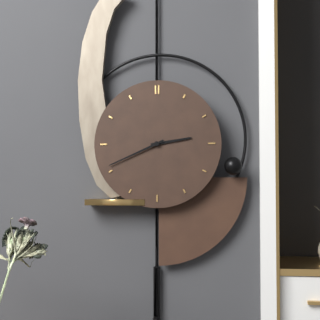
2:41
